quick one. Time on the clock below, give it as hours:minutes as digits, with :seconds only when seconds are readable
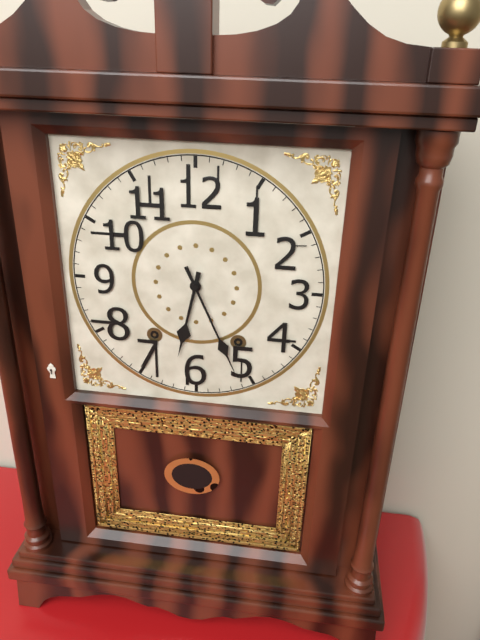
6:26
